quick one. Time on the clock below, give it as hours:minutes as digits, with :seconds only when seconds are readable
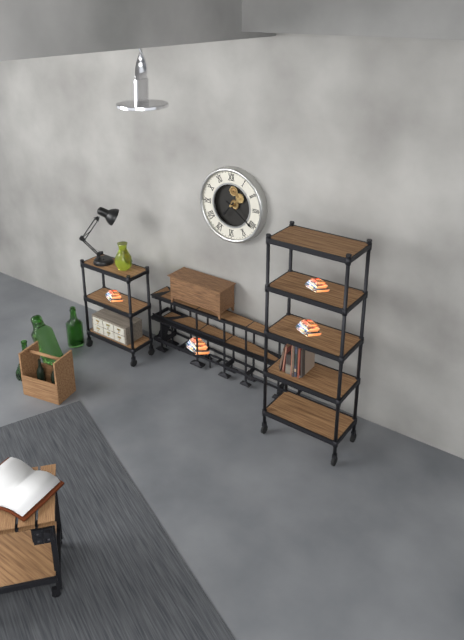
7:21
